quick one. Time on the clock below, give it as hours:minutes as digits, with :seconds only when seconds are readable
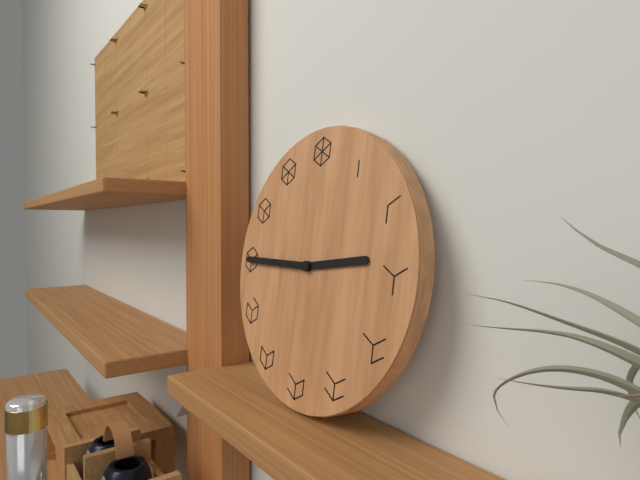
2:45
